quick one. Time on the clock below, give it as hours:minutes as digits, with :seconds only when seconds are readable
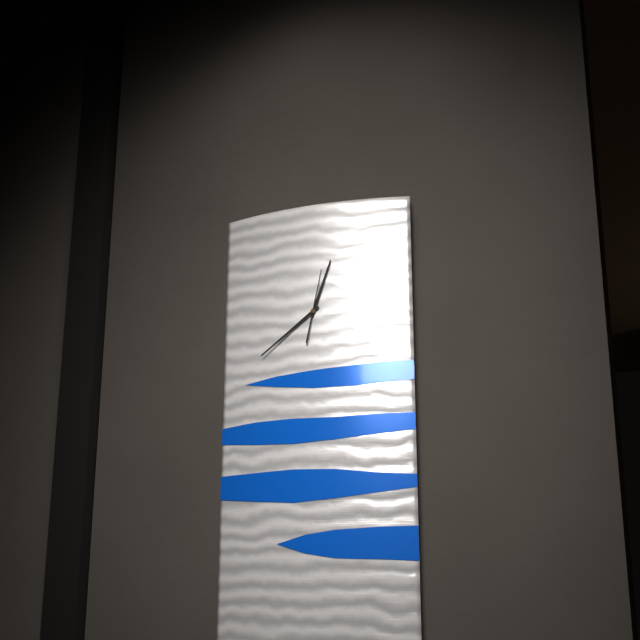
12:39:02
